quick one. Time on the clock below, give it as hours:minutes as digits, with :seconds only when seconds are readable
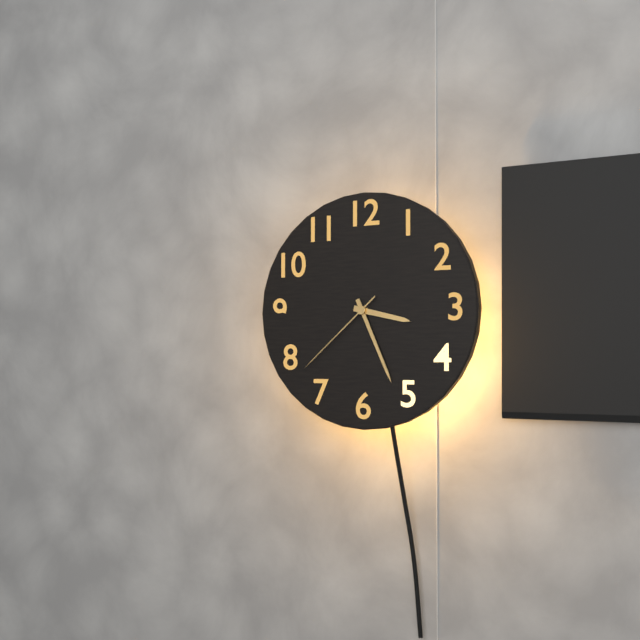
3:26:38
